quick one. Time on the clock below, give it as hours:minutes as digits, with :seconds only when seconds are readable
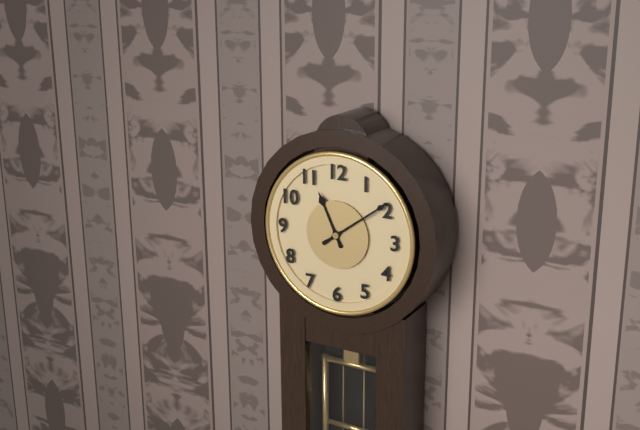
11:09
